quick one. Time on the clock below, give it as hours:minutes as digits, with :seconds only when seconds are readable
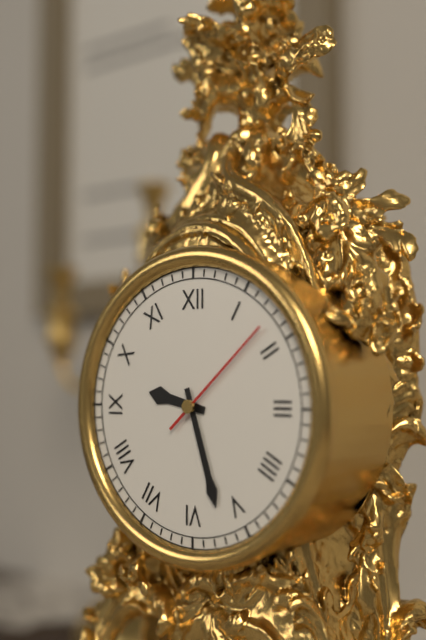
9:27:08
